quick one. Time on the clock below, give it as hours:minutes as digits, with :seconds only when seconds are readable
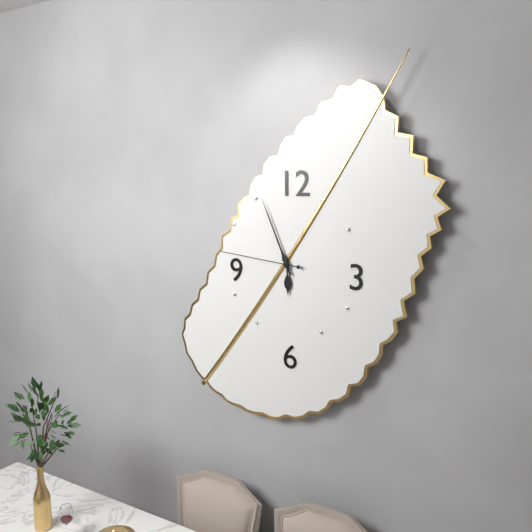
5:56:46
